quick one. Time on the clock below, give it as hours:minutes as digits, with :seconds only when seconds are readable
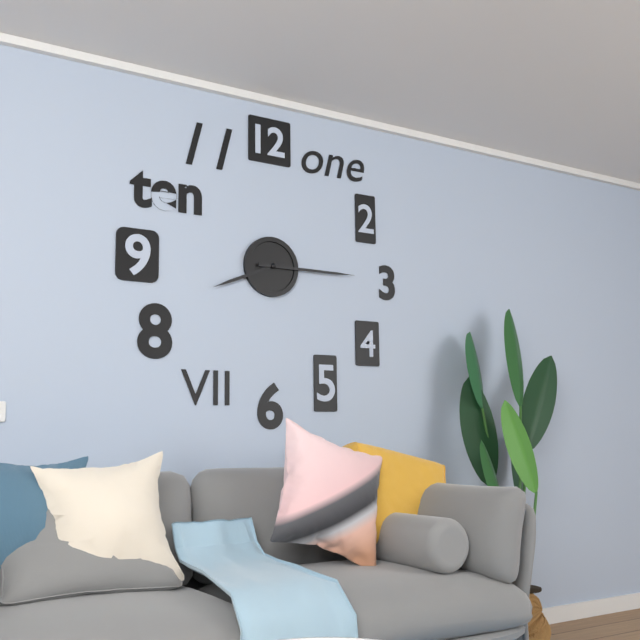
8:15
